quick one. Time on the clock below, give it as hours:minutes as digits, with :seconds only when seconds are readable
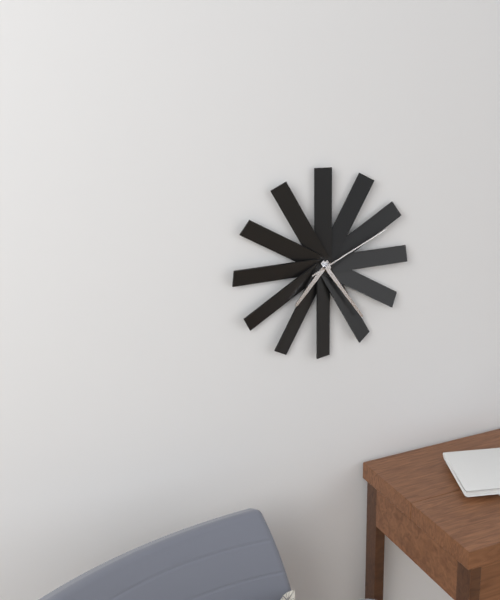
7:24:11
